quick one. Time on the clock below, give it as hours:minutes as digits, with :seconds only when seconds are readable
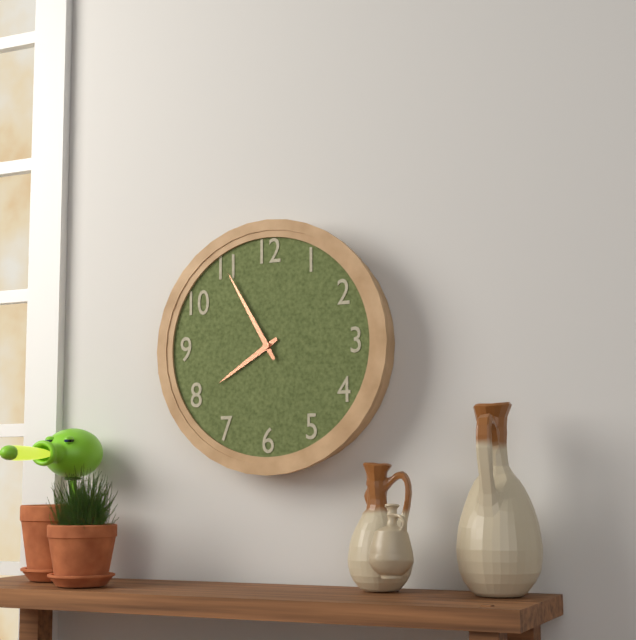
7:55
